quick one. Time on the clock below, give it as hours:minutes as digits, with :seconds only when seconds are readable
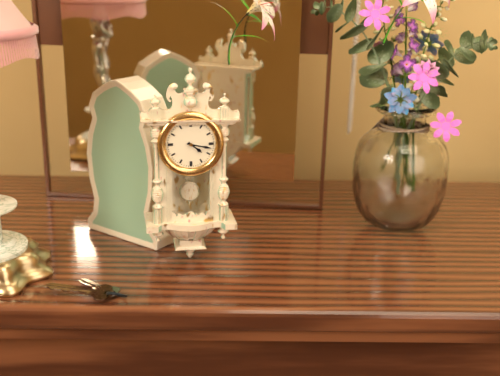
4:17
